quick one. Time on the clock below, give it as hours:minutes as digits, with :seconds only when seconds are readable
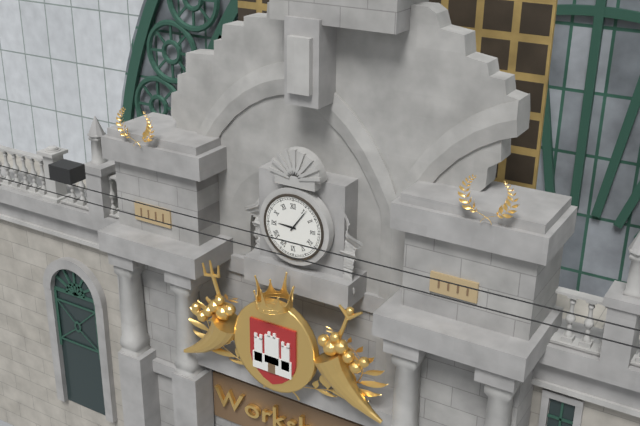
9:06
